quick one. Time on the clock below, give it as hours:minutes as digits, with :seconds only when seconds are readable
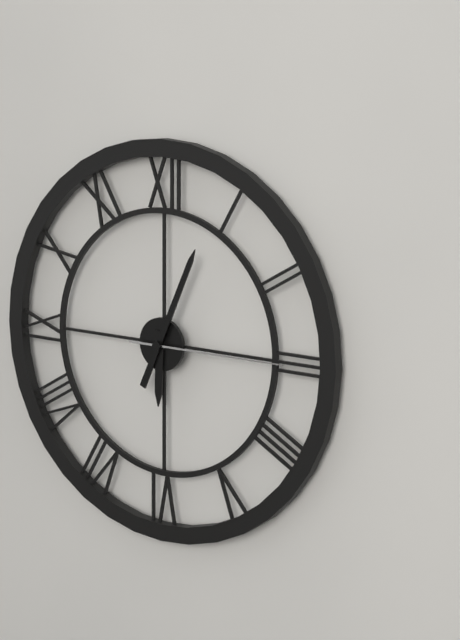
6:04:15
